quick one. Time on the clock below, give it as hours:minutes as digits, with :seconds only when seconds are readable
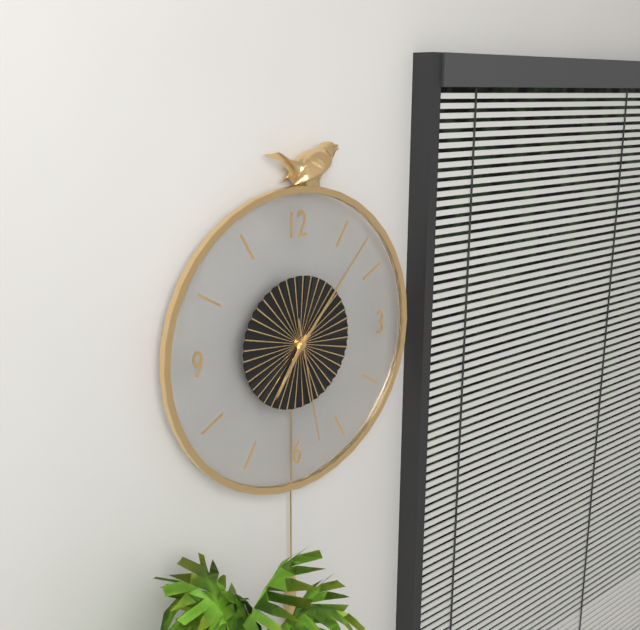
7:07:28
